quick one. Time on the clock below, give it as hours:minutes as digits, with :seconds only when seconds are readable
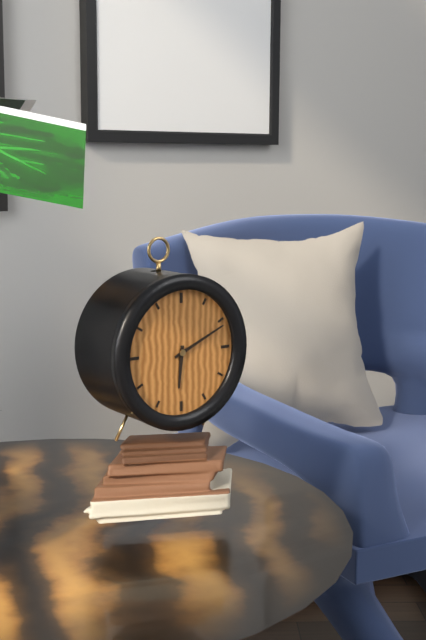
6:11
